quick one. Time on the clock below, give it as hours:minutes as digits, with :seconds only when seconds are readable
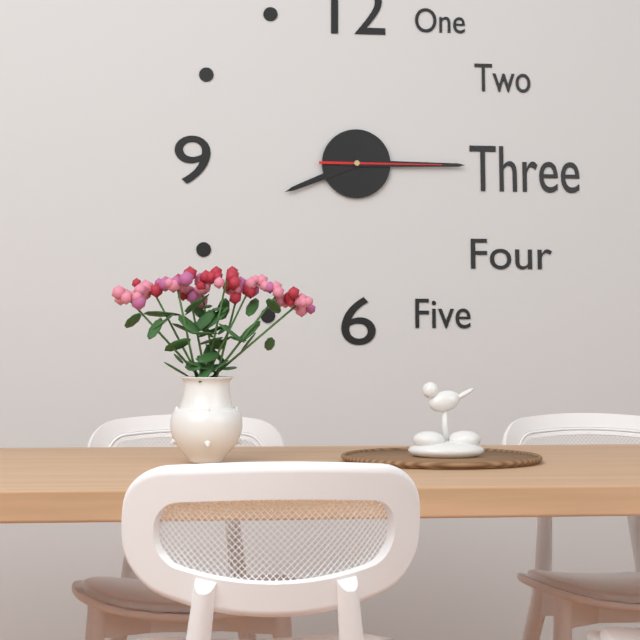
8:15:15
